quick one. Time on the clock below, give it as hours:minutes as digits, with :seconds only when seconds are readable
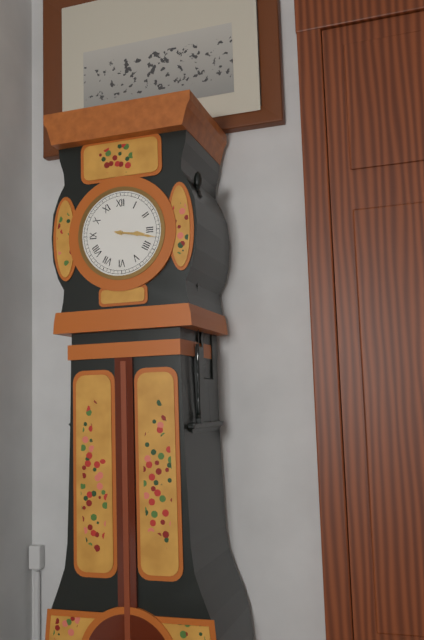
3:17
